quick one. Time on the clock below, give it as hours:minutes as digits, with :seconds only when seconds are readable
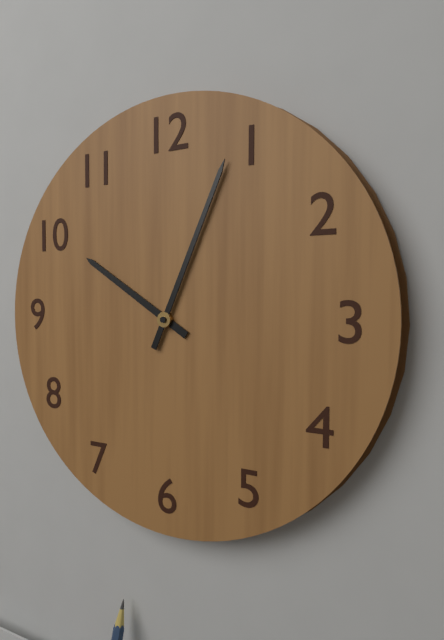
10:04
